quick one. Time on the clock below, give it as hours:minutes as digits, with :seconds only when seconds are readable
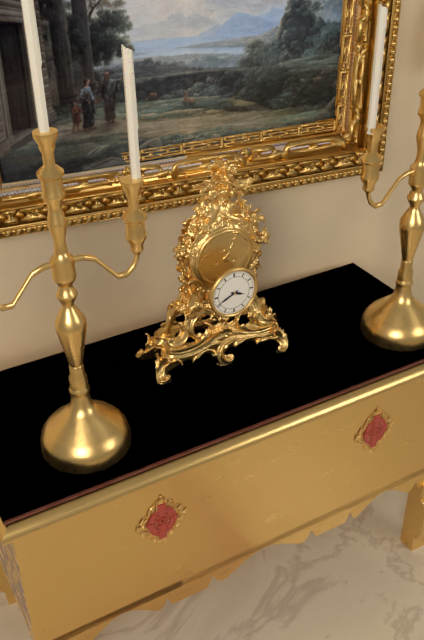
3:41
